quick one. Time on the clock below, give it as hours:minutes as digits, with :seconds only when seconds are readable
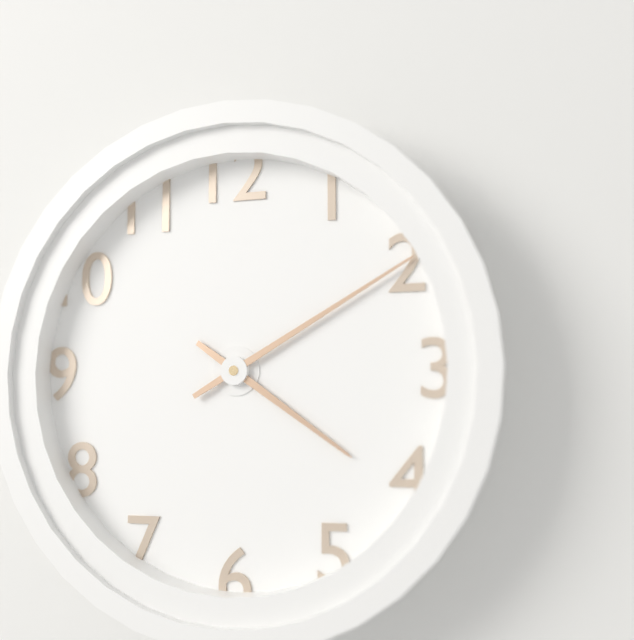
4:10
